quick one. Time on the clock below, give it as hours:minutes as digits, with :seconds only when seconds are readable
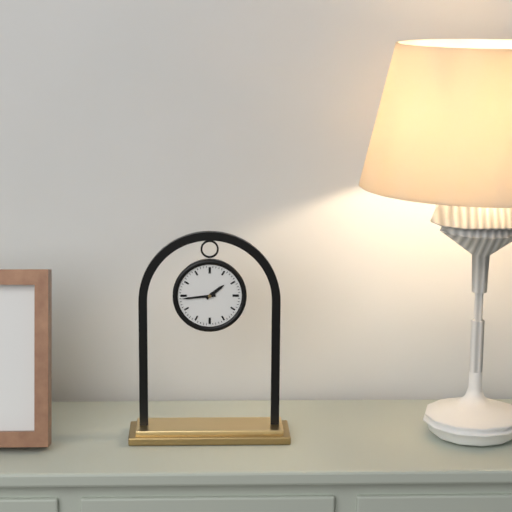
1:44
